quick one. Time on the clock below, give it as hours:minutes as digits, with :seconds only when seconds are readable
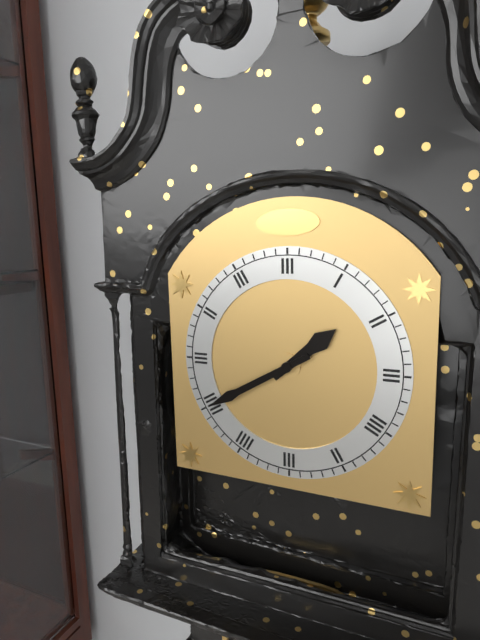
1:40
